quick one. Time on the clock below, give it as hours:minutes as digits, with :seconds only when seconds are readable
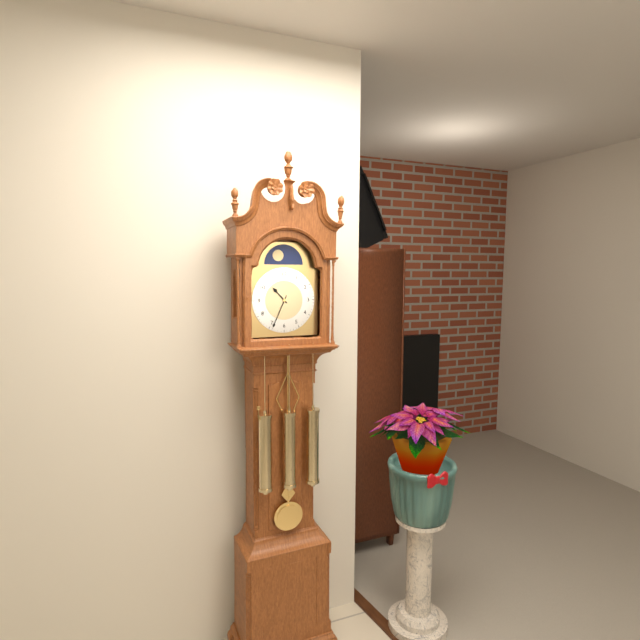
10:34
